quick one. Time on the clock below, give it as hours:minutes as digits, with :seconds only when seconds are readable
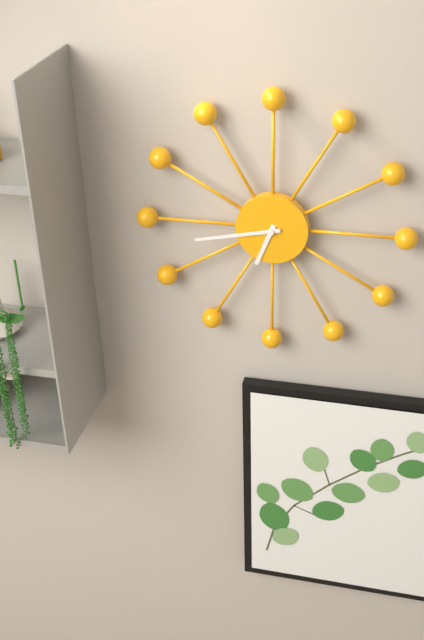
6:43
